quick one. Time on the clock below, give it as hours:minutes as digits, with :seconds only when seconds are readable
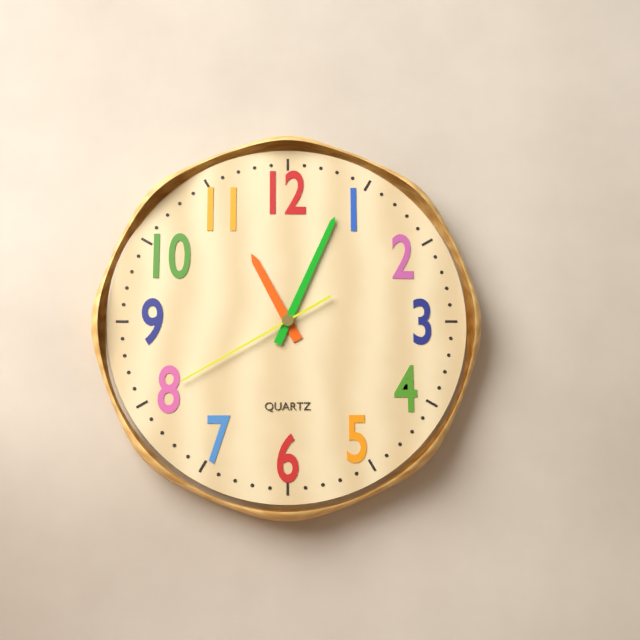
11:04:40
